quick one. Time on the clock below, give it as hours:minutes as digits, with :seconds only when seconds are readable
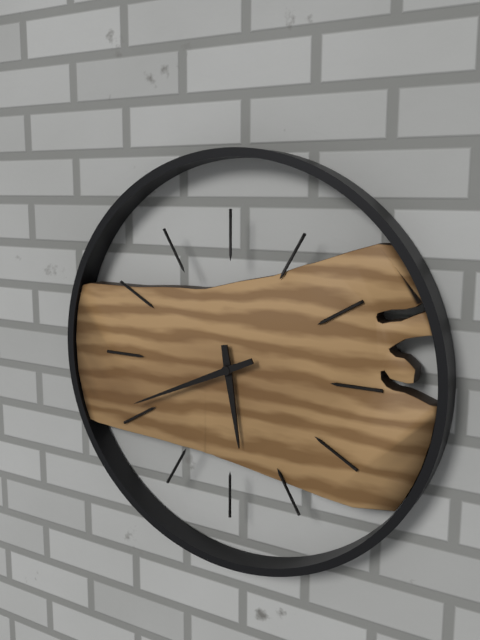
5:41
